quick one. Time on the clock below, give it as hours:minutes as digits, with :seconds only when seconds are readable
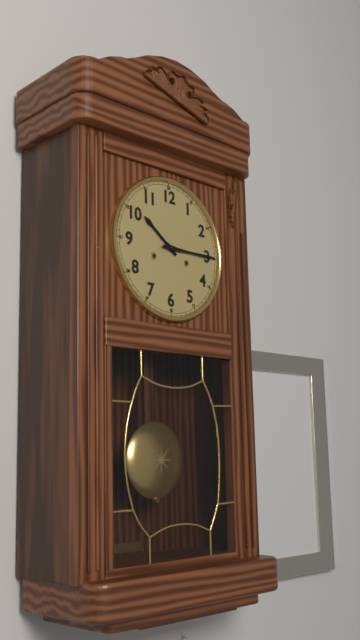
10:15
